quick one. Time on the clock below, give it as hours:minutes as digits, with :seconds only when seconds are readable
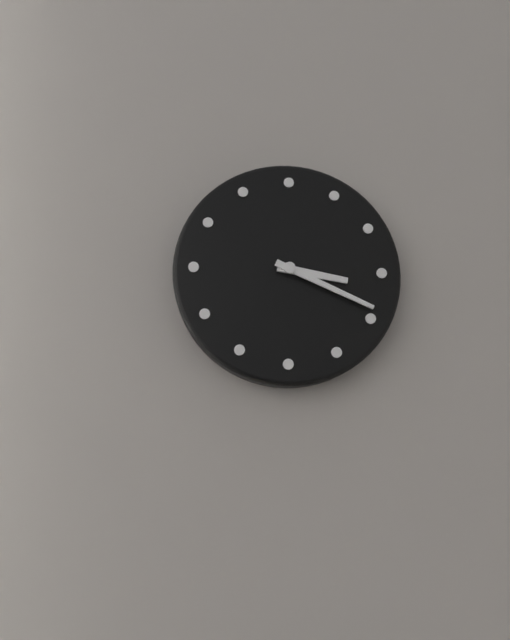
3:19
